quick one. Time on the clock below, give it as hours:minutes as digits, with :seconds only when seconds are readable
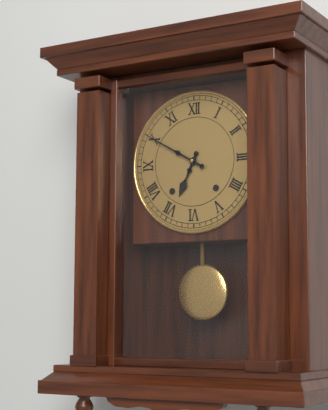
6:50
